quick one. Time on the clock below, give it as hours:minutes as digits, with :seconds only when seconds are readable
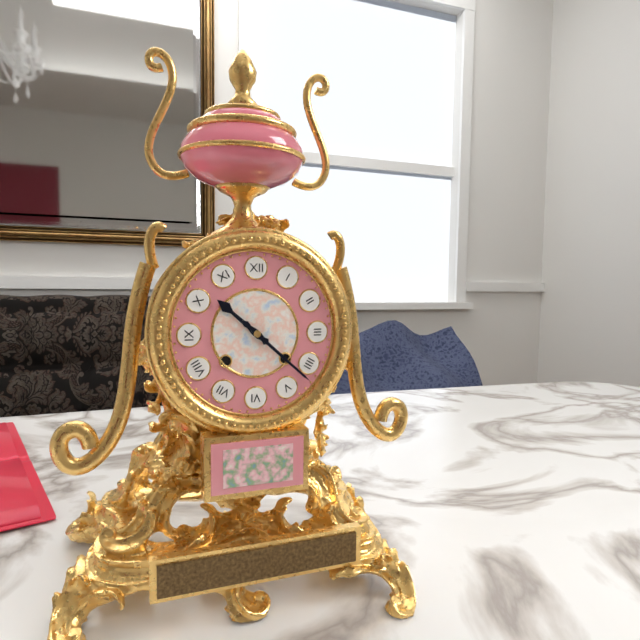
10:22
